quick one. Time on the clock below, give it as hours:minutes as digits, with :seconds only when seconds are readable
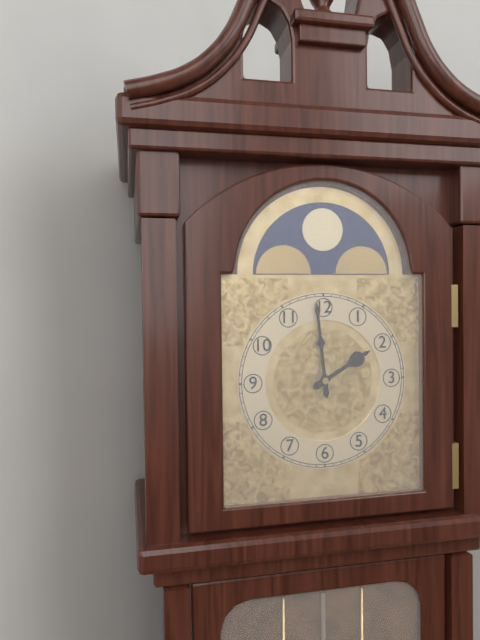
1:59
